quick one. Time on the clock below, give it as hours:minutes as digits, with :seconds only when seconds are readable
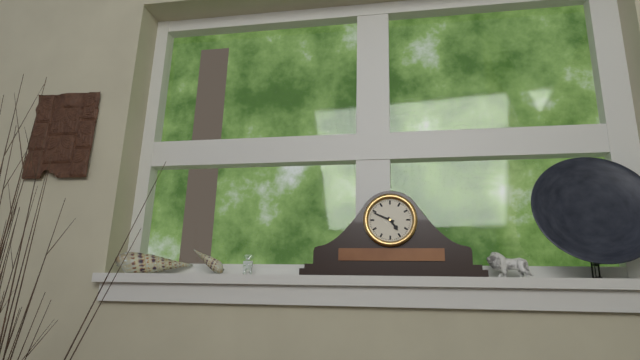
4:49
